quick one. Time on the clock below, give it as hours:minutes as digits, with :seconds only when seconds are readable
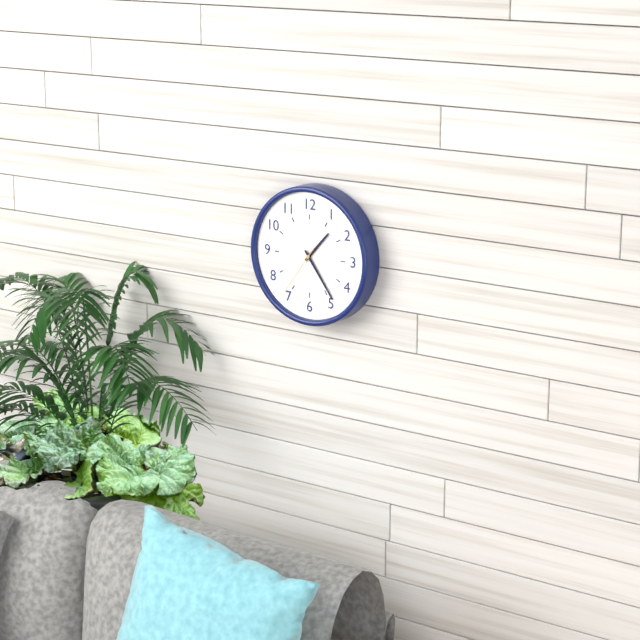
1:24:36
